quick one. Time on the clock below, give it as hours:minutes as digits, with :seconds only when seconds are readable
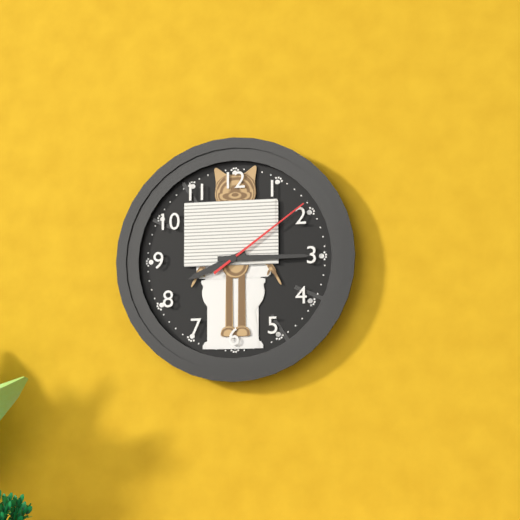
8:15:09
